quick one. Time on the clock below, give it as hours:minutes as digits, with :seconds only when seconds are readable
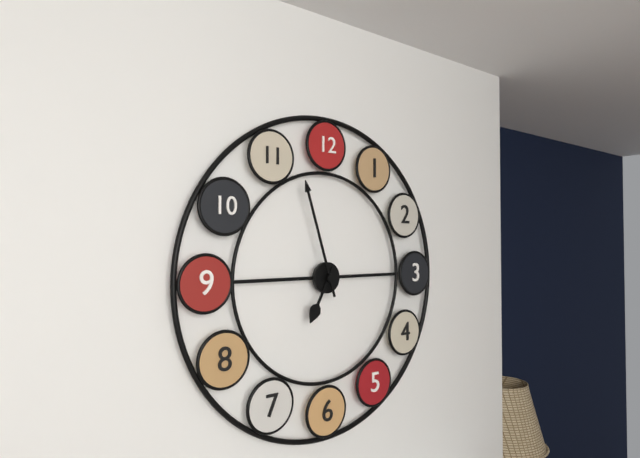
6:57
